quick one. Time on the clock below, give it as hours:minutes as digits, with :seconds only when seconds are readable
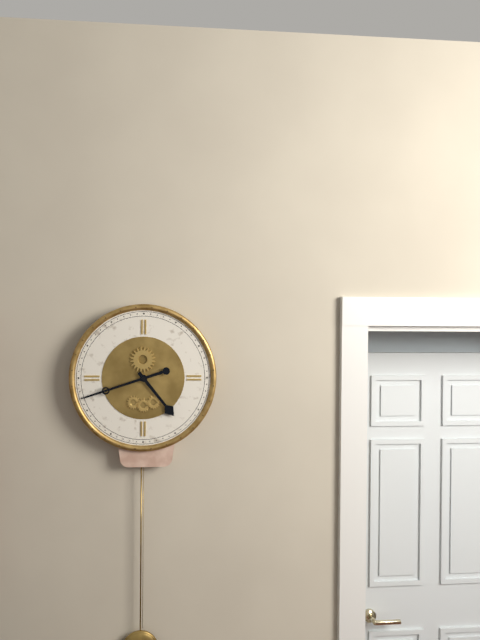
4:42
